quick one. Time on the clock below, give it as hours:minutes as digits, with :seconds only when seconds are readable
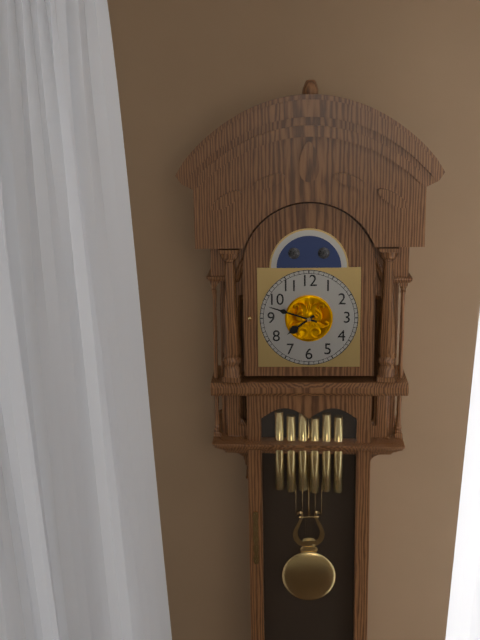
7:48
